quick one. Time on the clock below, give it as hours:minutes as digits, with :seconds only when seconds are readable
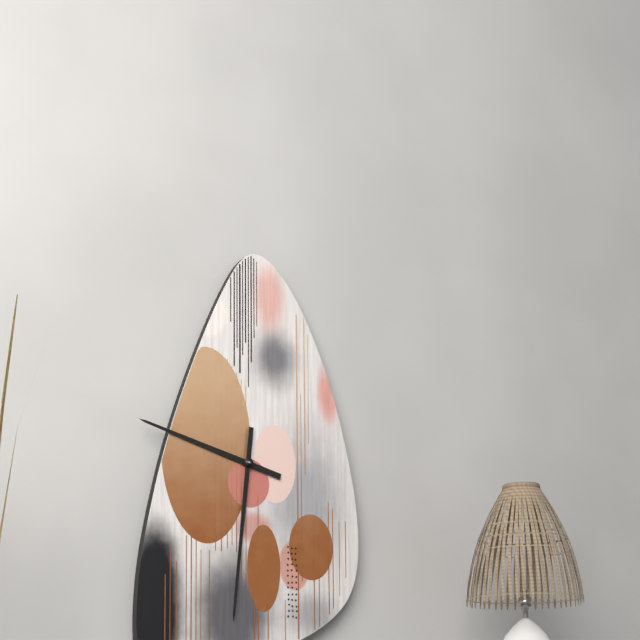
9:31
